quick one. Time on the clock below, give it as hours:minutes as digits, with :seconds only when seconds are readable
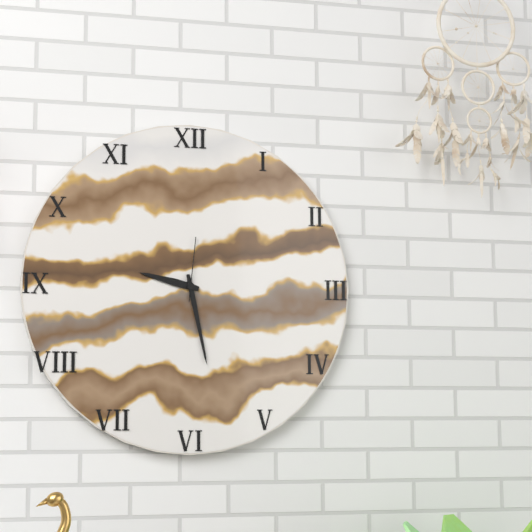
9:28:01
